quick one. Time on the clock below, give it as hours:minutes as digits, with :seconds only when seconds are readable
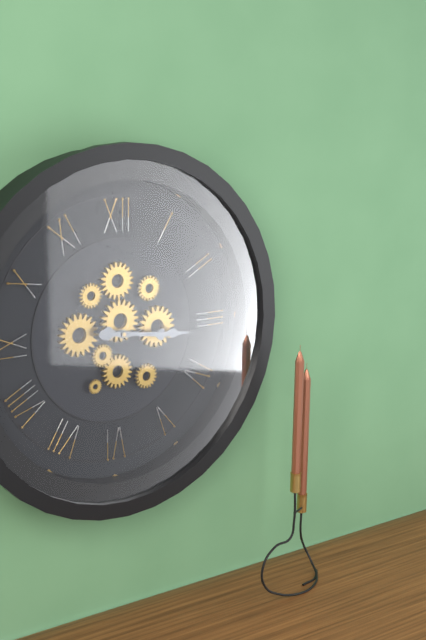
3:16
